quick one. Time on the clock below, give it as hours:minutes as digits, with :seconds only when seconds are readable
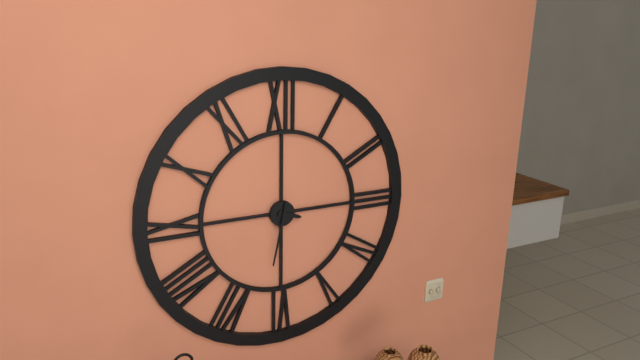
3:32
